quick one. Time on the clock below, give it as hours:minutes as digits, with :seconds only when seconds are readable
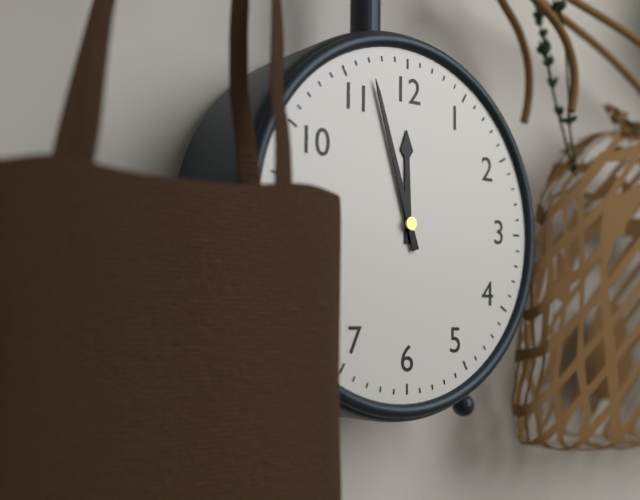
11:57
